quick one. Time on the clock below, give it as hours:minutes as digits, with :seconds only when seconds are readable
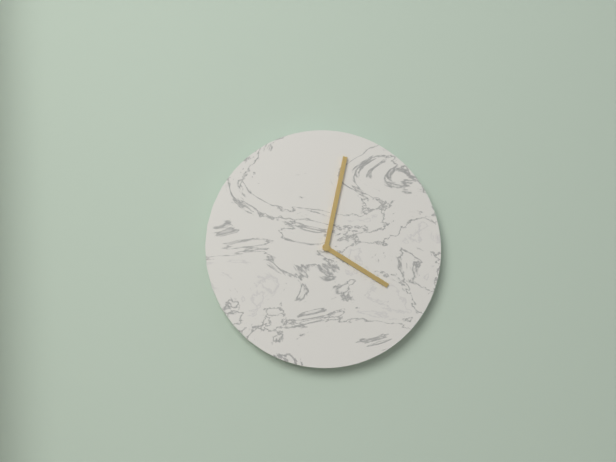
4:02
